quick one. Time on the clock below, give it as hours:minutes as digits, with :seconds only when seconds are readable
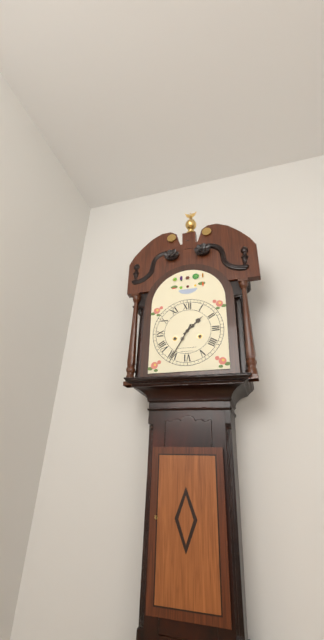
1:35
